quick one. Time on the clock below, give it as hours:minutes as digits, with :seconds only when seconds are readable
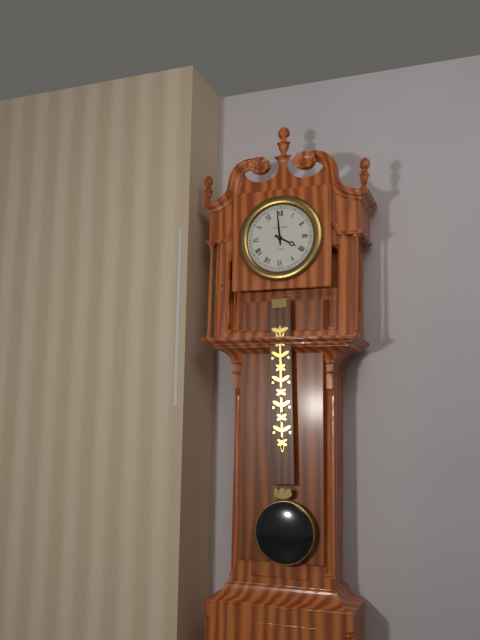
3:59
